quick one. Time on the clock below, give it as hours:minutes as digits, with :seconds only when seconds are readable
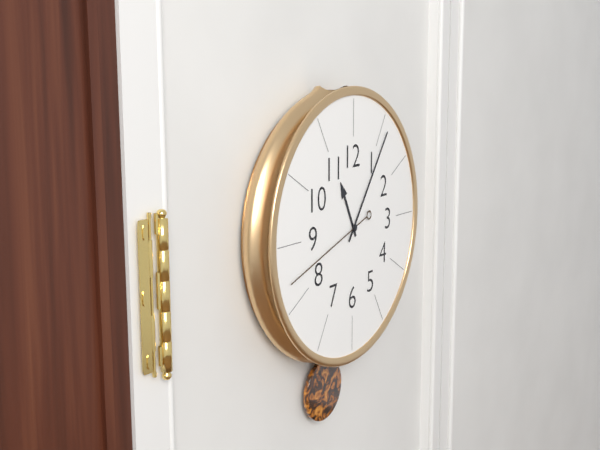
11:06:42
